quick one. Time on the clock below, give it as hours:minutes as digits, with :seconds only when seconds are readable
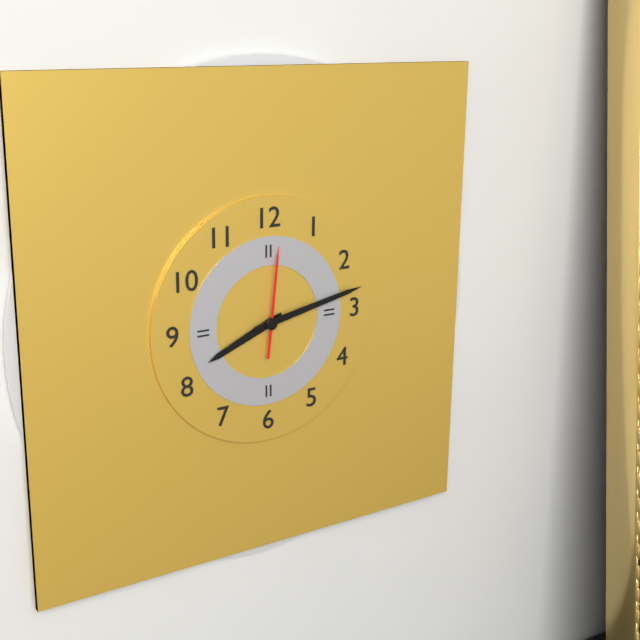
8:13:01
